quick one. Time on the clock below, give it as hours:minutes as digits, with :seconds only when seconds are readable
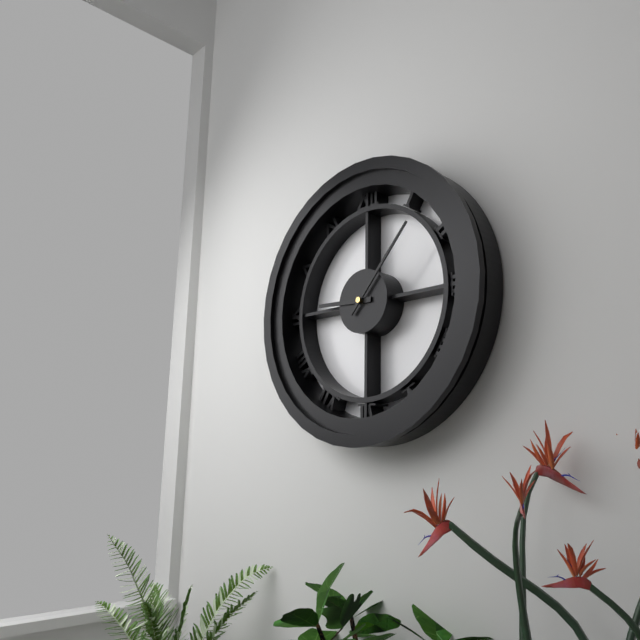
9:07
